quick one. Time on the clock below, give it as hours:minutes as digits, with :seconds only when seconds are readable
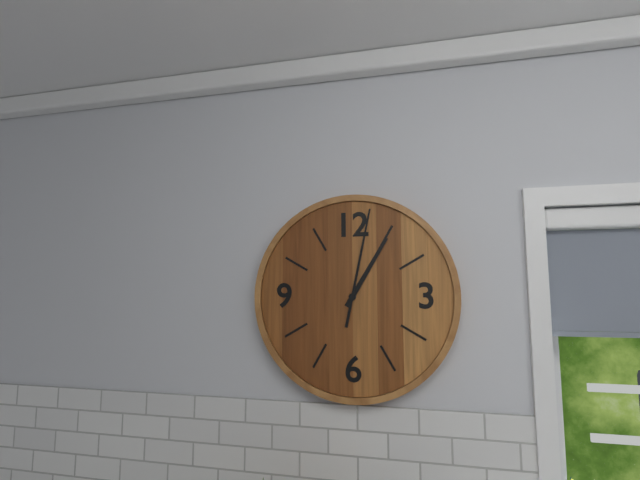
1:02
